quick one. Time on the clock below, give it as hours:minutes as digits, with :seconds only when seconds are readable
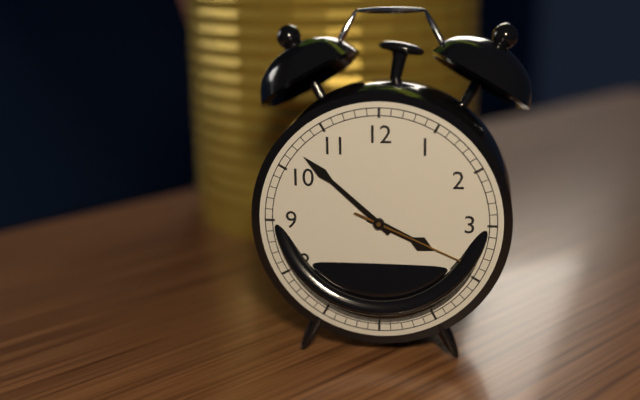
3:52:19
